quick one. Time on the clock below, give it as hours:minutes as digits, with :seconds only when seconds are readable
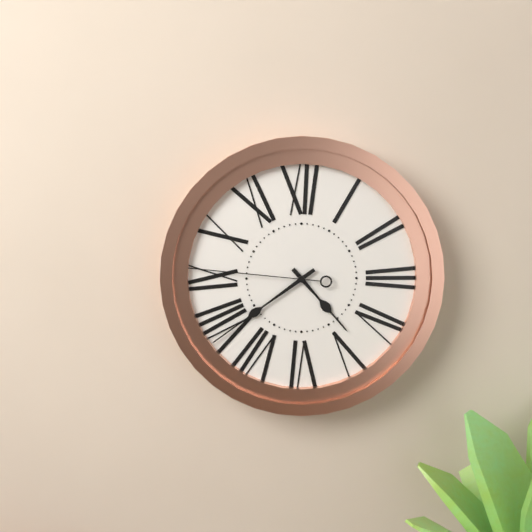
4:39:46
